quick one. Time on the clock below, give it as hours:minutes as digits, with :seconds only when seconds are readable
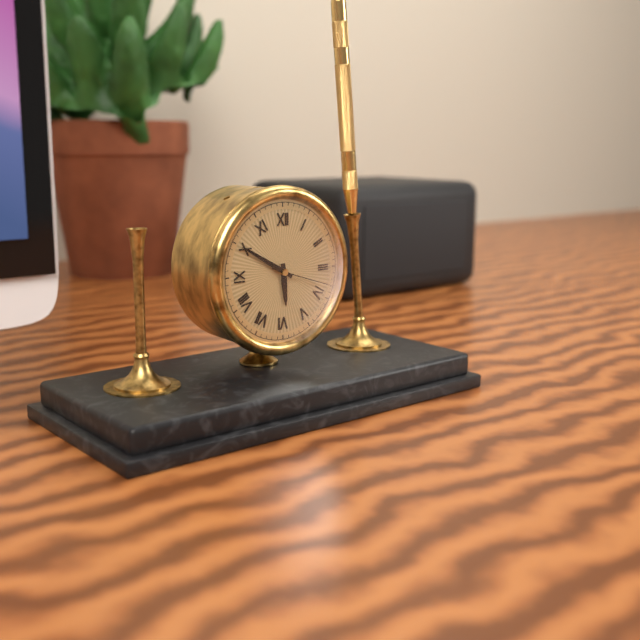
5:50:18
